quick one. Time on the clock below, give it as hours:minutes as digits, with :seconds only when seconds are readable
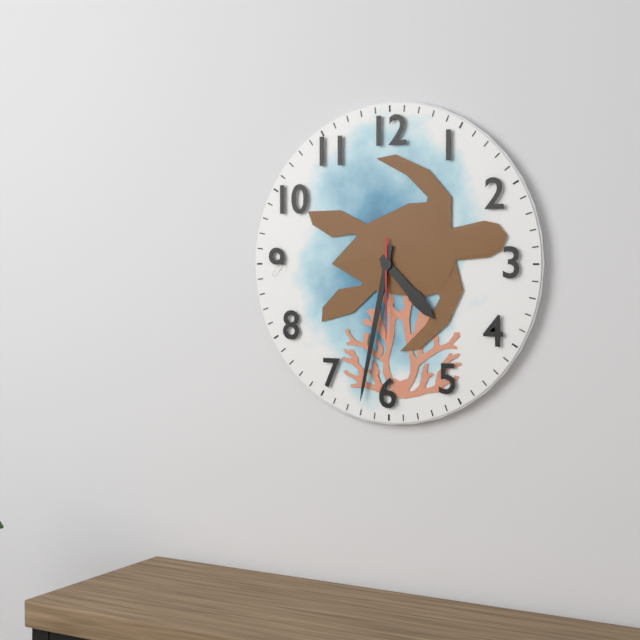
4:32:30
